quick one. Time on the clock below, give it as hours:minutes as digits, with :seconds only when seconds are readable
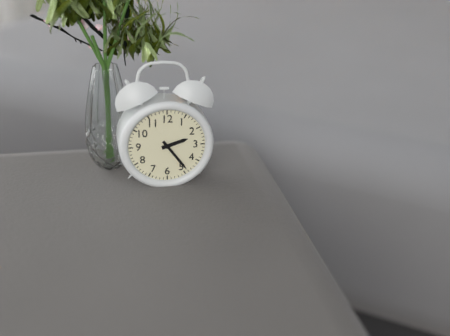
2:24
